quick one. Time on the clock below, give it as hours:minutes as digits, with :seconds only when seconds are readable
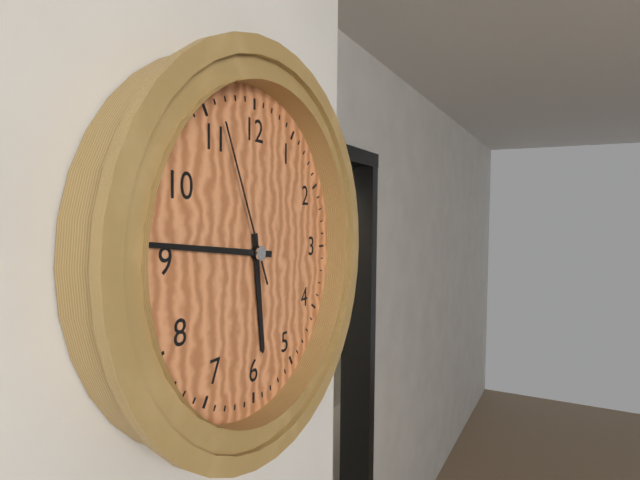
5:46:56
